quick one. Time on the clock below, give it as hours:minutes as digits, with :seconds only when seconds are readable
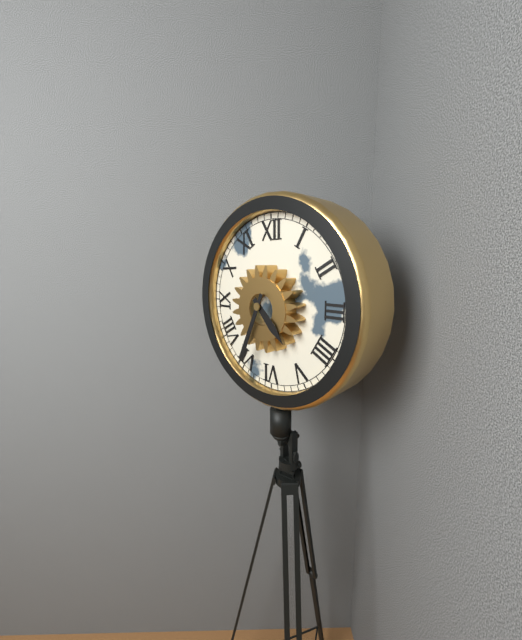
4:34
